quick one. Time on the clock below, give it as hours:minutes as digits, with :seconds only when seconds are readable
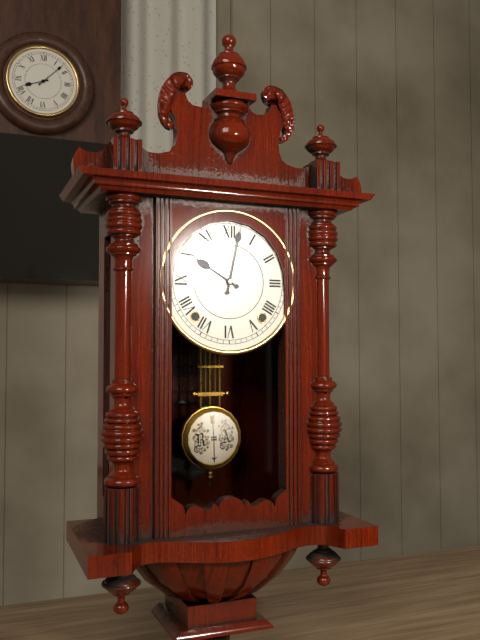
10:02
